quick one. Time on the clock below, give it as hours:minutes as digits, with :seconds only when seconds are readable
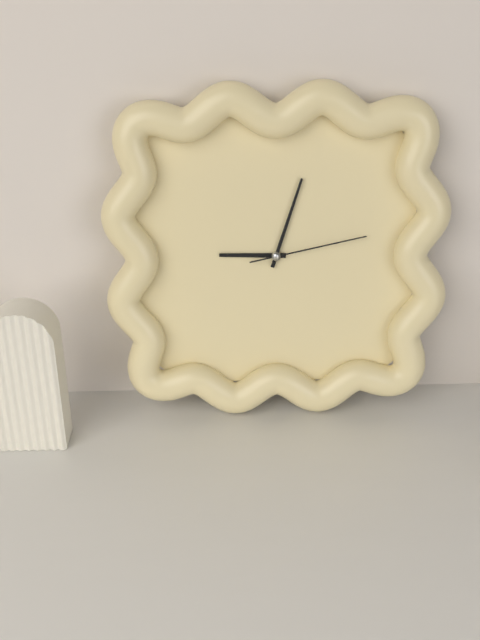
9:03:13
